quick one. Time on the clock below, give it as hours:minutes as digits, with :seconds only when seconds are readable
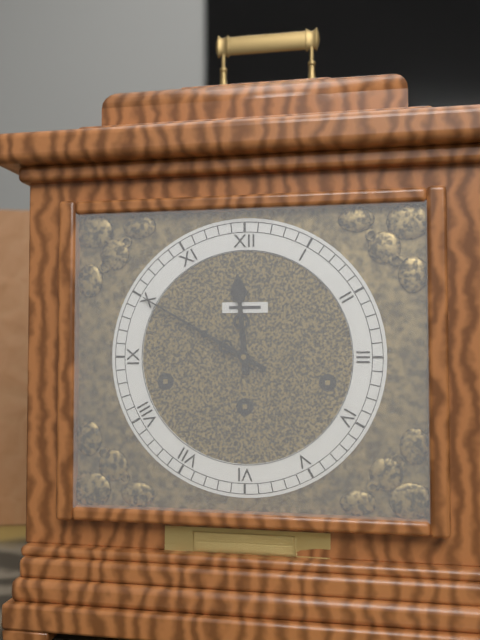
11:50
